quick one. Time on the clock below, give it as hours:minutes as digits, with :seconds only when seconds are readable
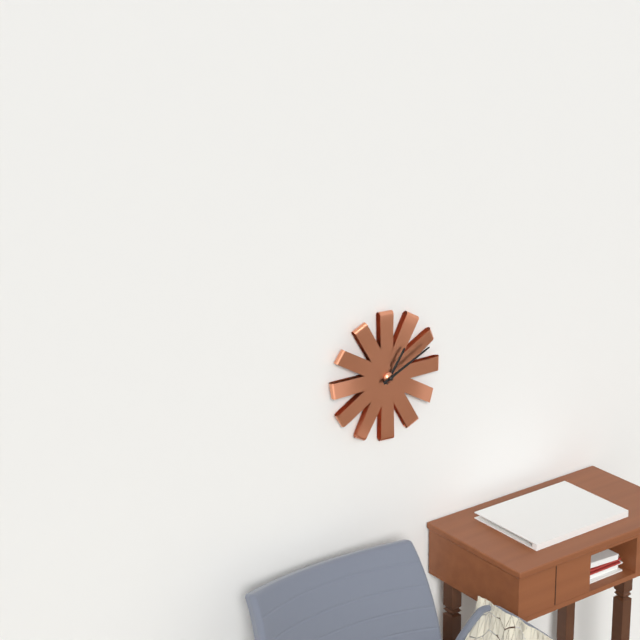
1:11
